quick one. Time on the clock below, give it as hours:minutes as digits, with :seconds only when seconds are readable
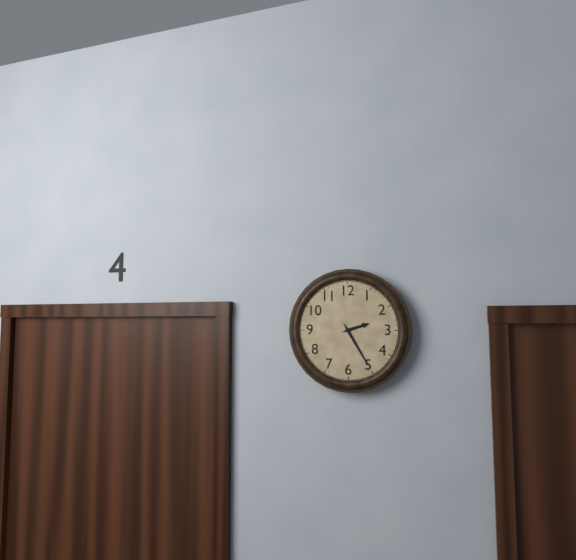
2:25
